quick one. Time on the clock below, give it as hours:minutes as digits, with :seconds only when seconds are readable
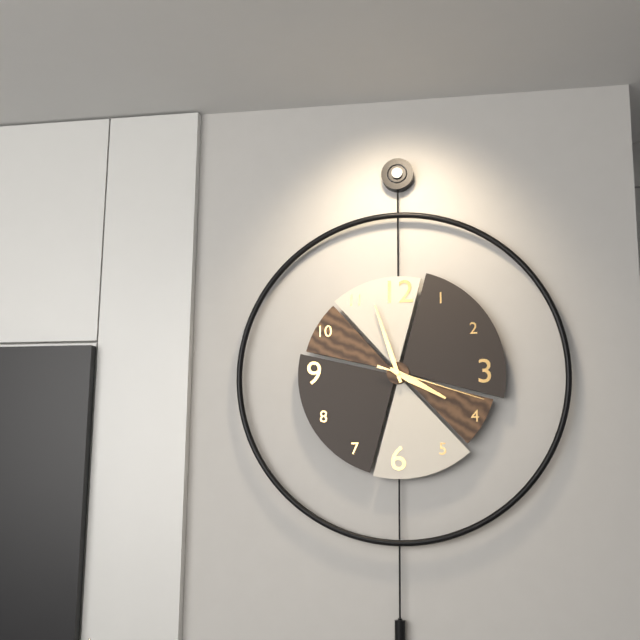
3:57:18
